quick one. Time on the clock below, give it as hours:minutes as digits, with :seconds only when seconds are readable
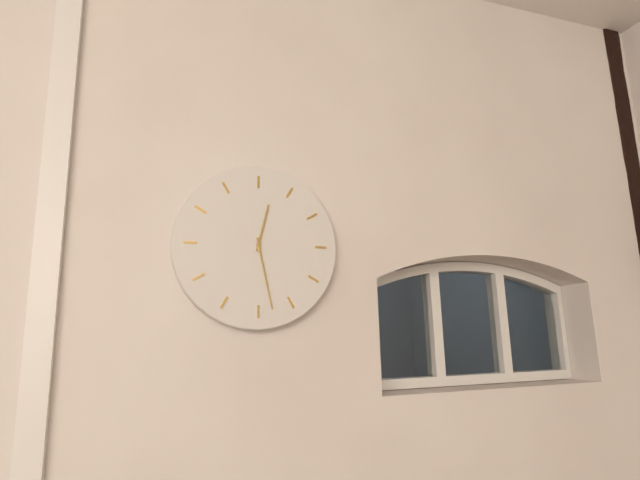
12:28
